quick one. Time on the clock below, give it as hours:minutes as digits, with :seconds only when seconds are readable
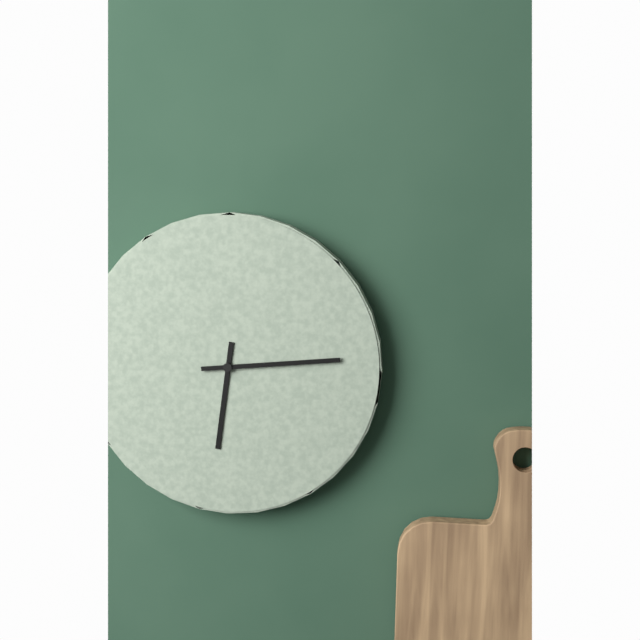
6:14
